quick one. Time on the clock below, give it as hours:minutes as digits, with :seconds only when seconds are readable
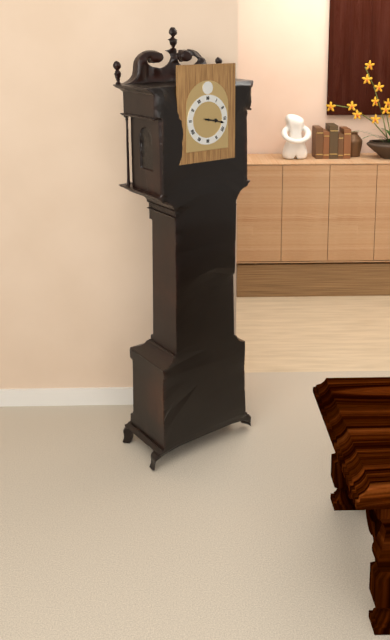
3:17
